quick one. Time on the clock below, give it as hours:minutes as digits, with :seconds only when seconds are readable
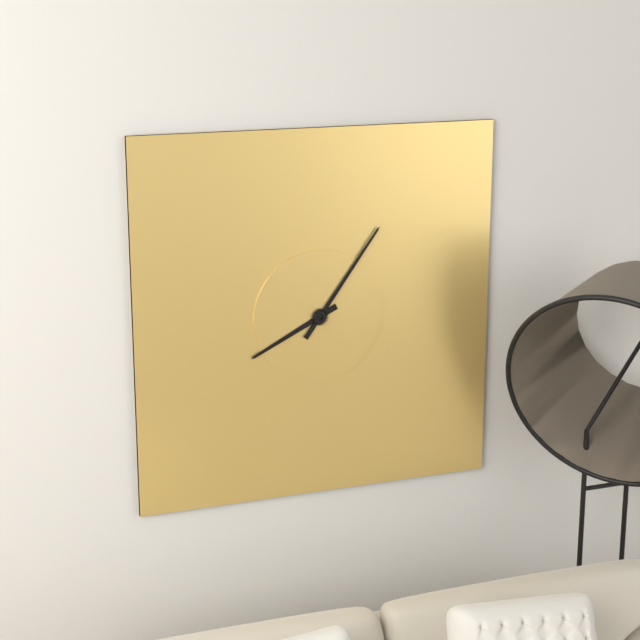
8:06
